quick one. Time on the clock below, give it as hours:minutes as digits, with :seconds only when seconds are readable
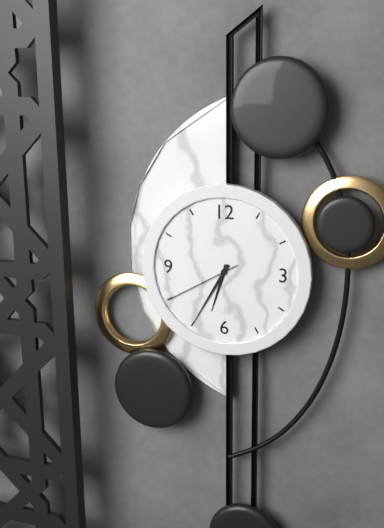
6:35:40
